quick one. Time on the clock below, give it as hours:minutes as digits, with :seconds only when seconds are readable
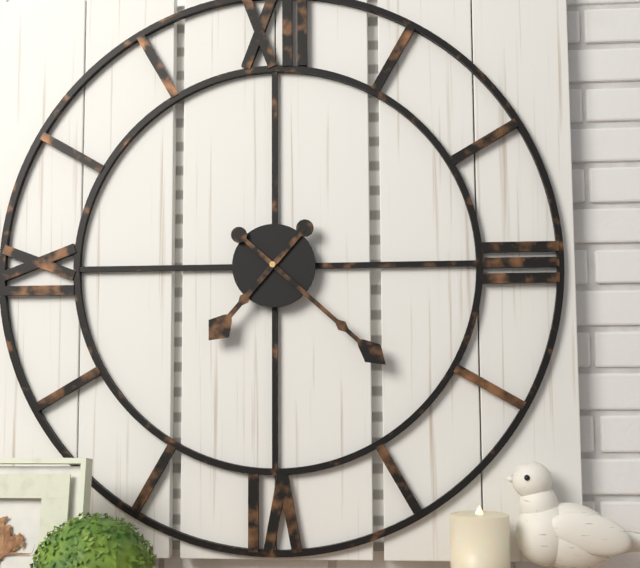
7:22
